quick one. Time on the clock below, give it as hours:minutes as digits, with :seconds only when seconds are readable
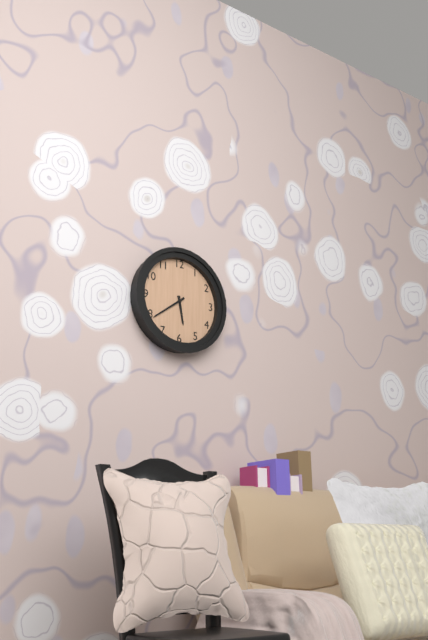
5:39
